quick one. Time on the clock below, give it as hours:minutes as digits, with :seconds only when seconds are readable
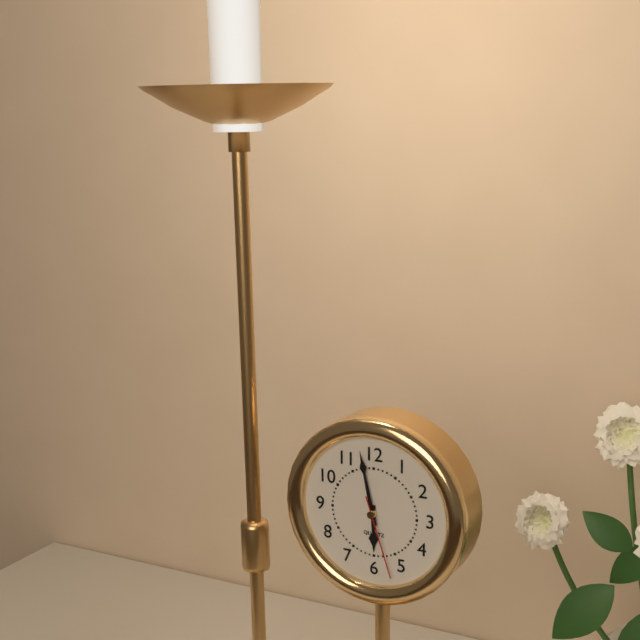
5:58:27
